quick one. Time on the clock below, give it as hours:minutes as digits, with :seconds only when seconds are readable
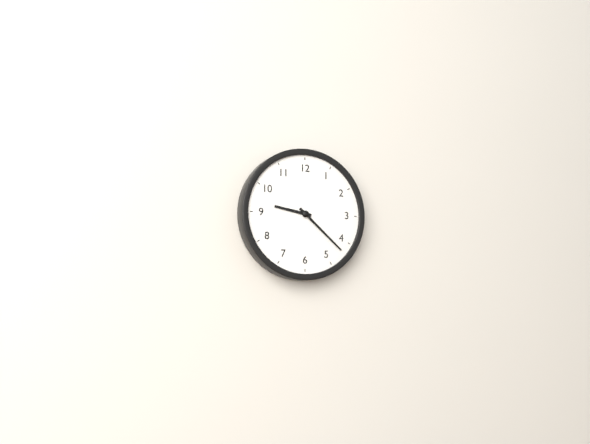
9:22
